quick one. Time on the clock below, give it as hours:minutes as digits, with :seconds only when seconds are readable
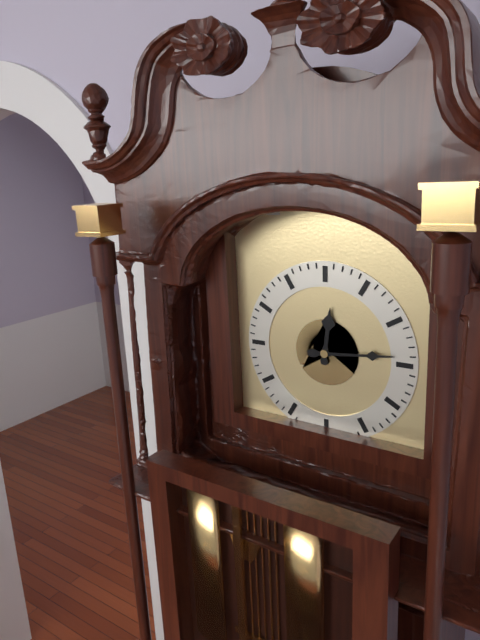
12:14
